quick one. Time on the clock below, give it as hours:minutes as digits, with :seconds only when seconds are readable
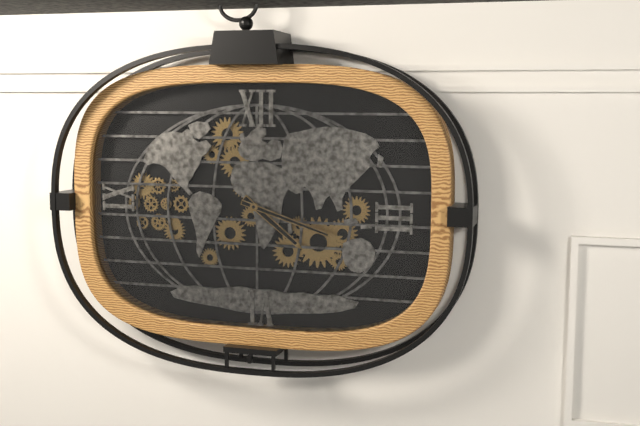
4:18
